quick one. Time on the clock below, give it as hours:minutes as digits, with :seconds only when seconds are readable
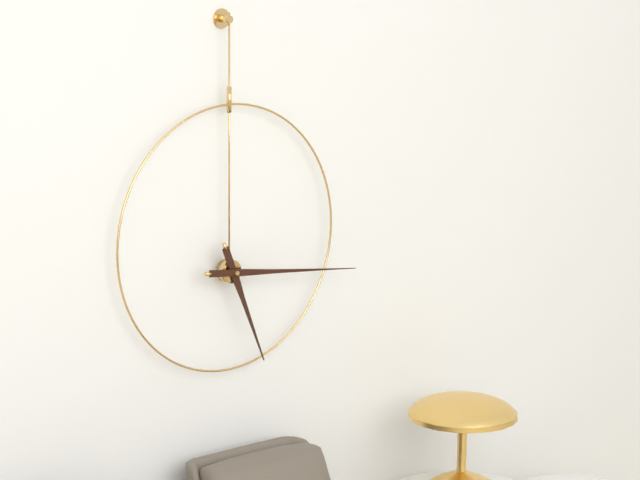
5:16
